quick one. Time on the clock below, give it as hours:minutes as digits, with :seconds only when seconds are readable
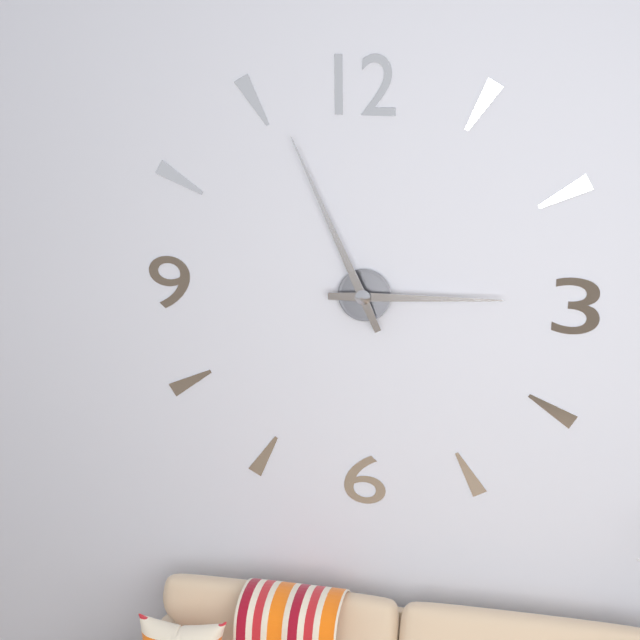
2:56
